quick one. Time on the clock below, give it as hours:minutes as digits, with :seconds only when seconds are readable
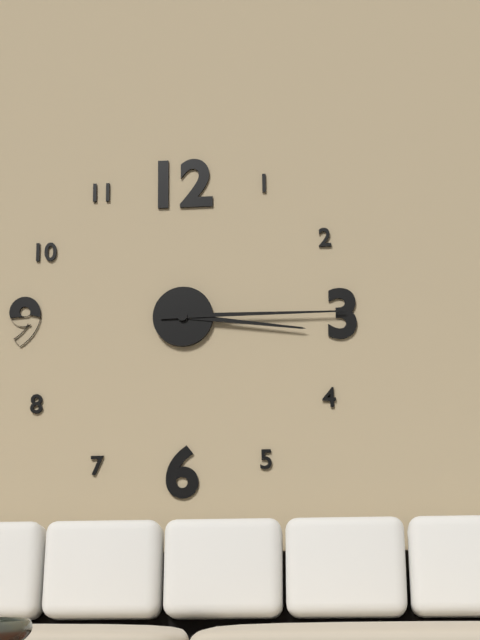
3:15
